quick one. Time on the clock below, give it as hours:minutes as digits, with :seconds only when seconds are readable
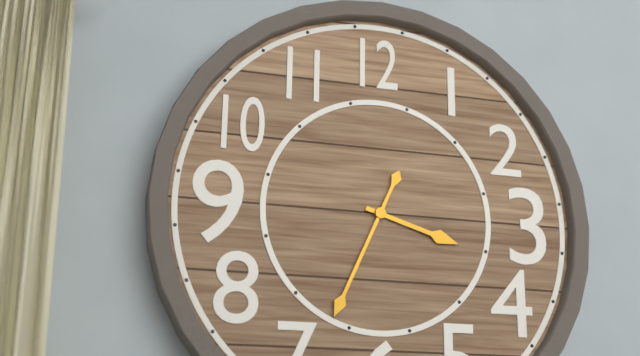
3:34
